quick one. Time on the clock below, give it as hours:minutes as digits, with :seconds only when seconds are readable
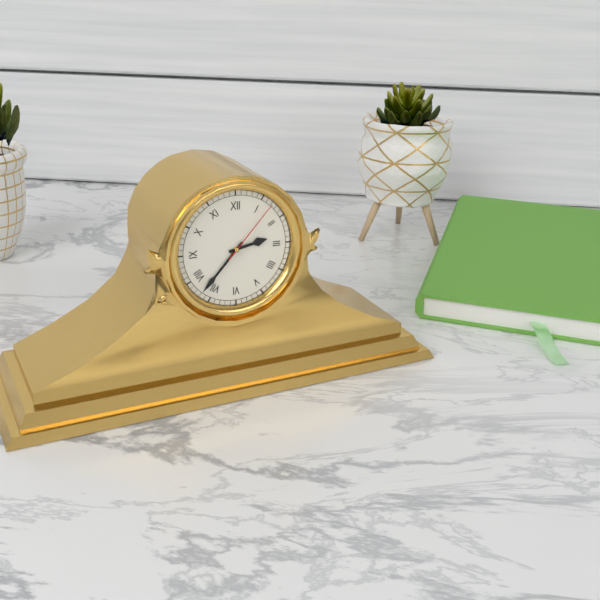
2:37:07
